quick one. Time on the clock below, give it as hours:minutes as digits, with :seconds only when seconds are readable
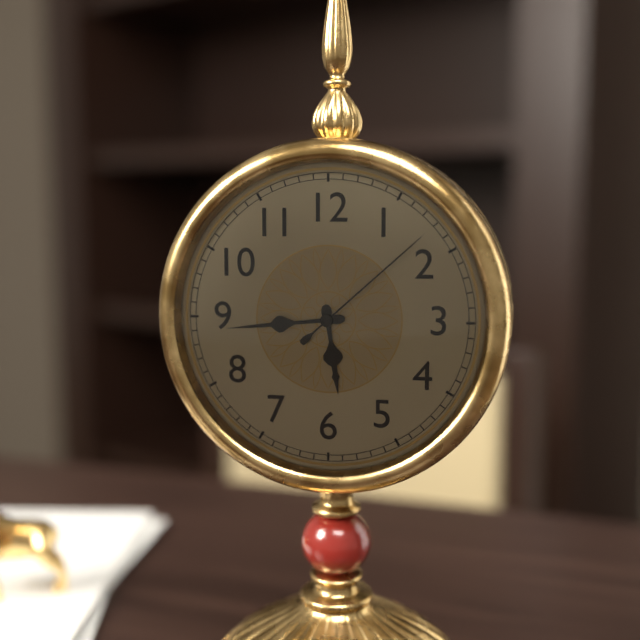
5:44:08
